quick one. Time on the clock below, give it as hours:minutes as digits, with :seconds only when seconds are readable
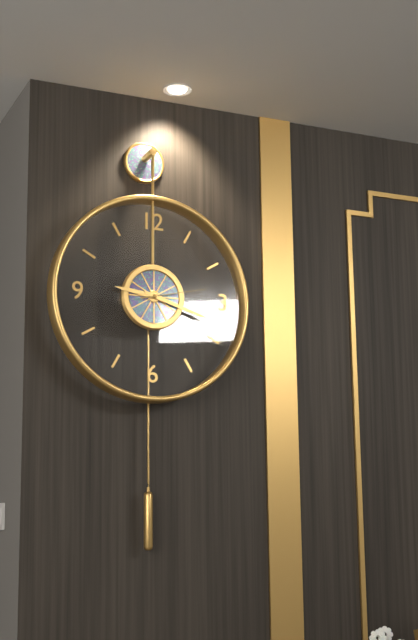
9:18:13
